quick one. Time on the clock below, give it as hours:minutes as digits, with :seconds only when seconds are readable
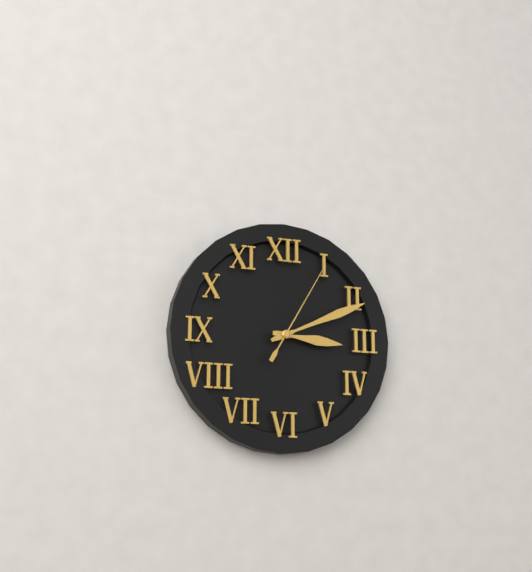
3:11:05
